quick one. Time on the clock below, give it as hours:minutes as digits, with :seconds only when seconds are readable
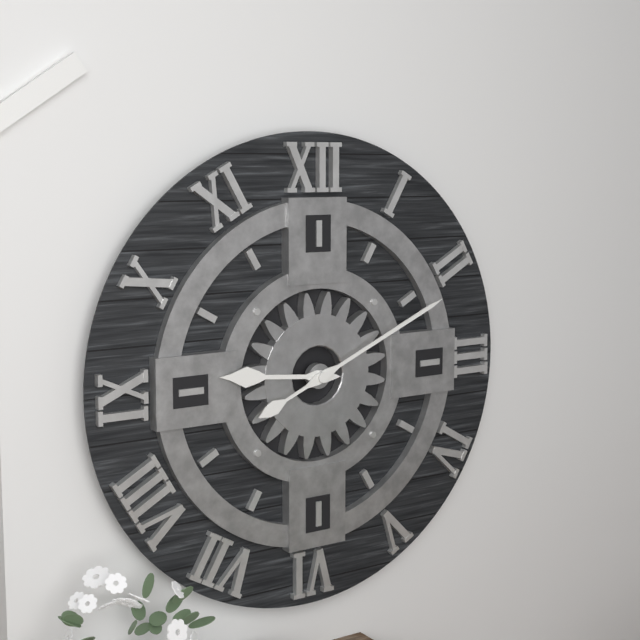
9:11
